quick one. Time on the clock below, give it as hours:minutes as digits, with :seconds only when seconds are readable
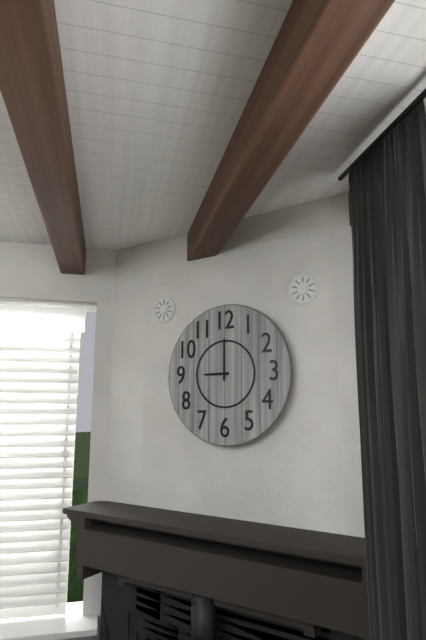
9:00
